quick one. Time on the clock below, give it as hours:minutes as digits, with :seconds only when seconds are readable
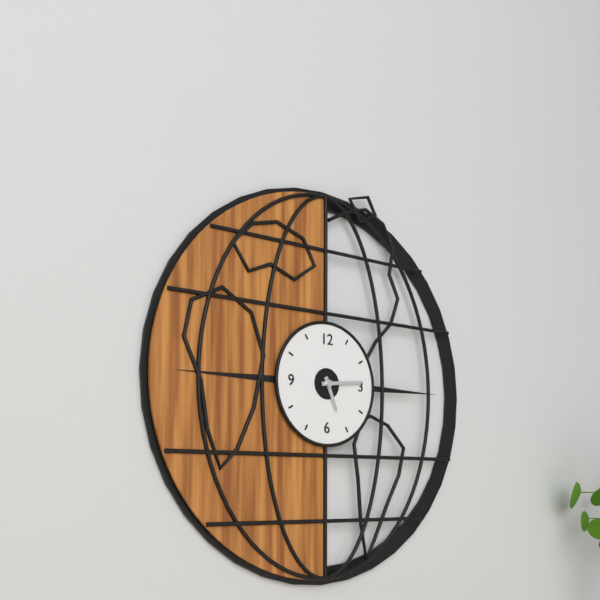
5:14
